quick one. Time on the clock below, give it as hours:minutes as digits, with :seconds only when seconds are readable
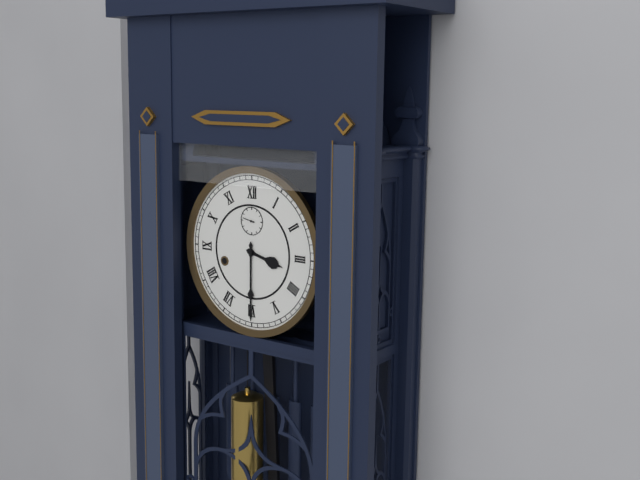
3:30
